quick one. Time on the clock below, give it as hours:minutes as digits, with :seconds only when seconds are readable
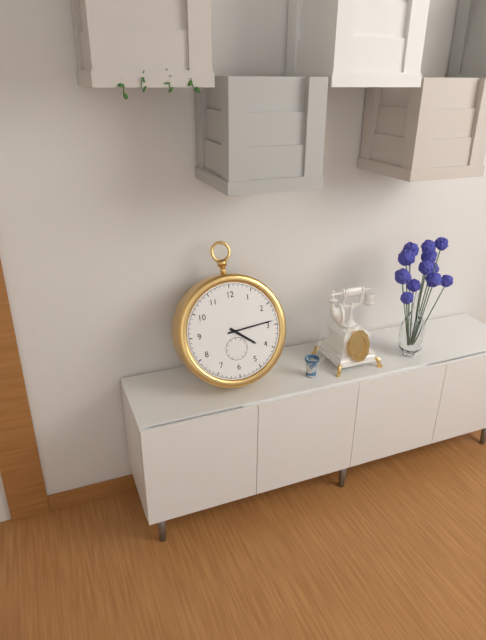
4:14
